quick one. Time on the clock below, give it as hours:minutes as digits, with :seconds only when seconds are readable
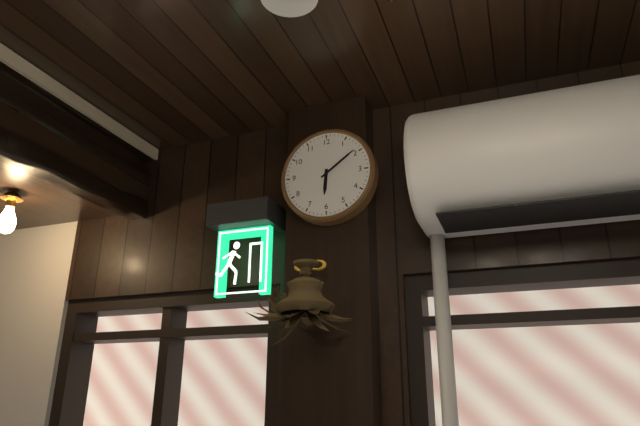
6:09
